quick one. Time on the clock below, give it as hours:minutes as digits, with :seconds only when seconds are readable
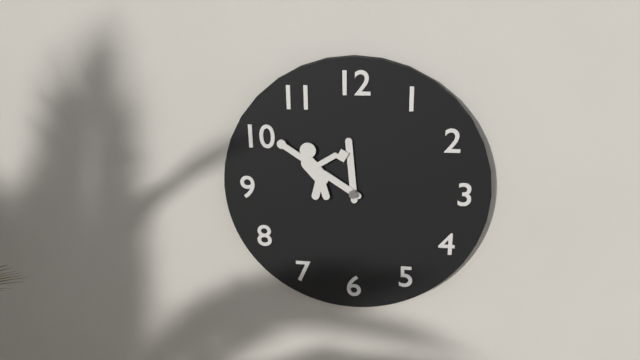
11:50
